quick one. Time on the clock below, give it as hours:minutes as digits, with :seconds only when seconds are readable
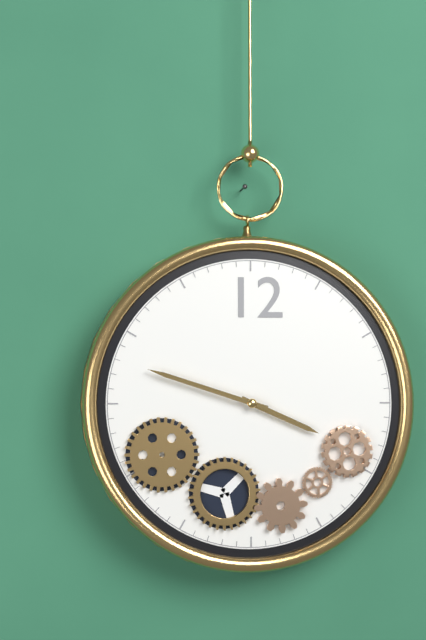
3:48
